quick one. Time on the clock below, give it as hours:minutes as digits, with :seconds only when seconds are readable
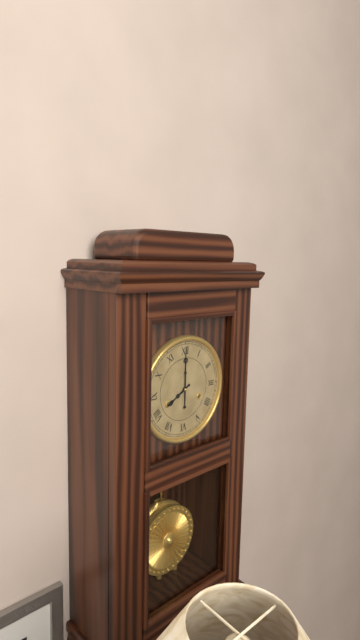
8:00
